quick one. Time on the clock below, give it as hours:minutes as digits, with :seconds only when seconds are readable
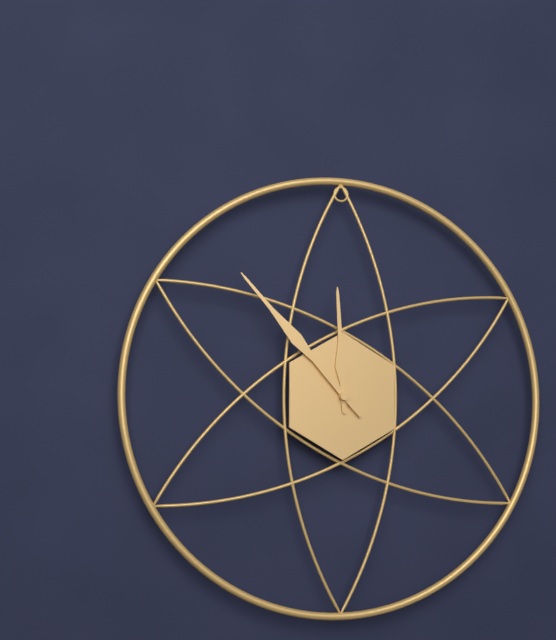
11:53
